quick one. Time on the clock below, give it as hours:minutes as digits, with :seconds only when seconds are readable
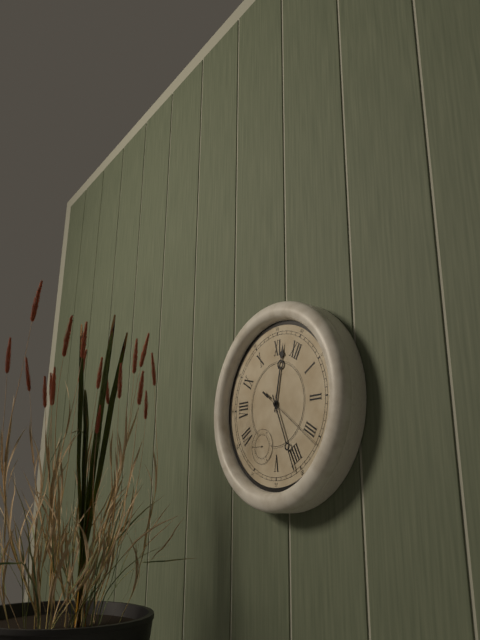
11:21:16
